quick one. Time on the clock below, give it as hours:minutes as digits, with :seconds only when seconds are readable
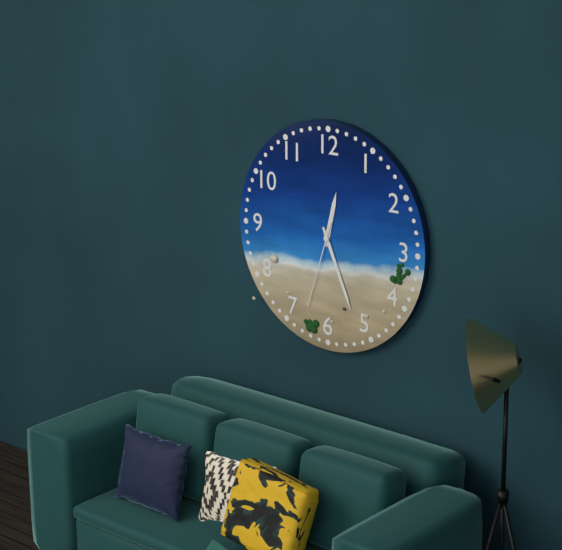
12:26:33
